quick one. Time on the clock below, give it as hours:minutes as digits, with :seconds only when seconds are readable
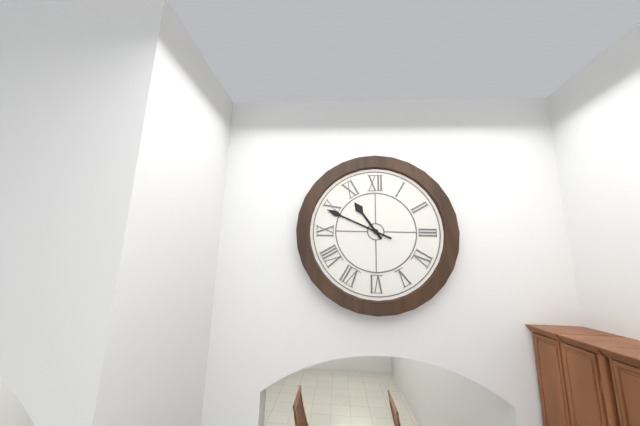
10:49
